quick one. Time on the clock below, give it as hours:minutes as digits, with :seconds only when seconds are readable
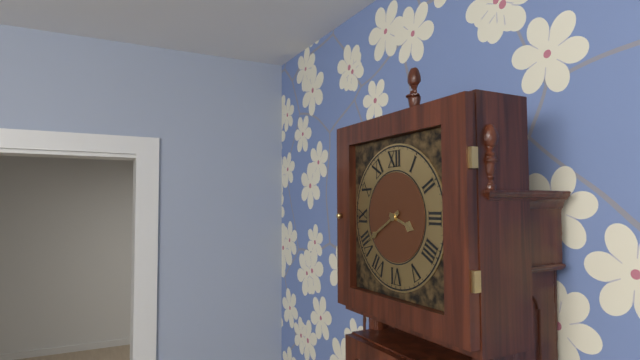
3:40
